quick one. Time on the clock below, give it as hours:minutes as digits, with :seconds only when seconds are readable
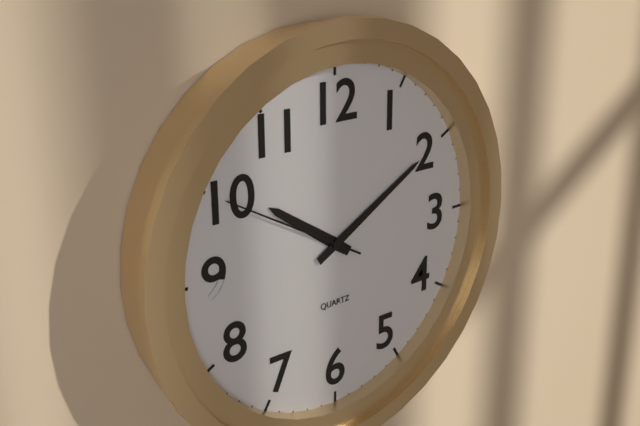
10:10:50
